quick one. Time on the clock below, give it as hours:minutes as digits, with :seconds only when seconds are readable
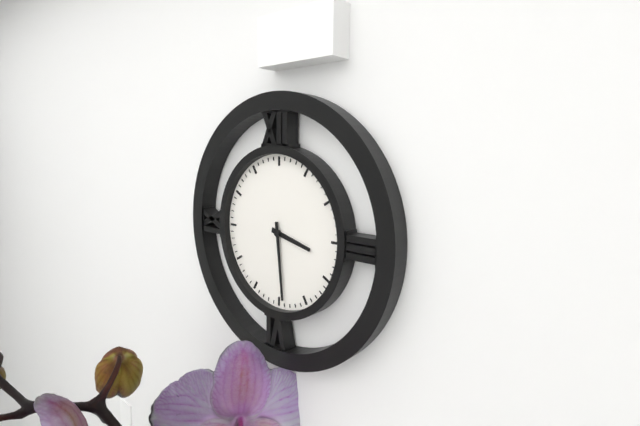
3:29
